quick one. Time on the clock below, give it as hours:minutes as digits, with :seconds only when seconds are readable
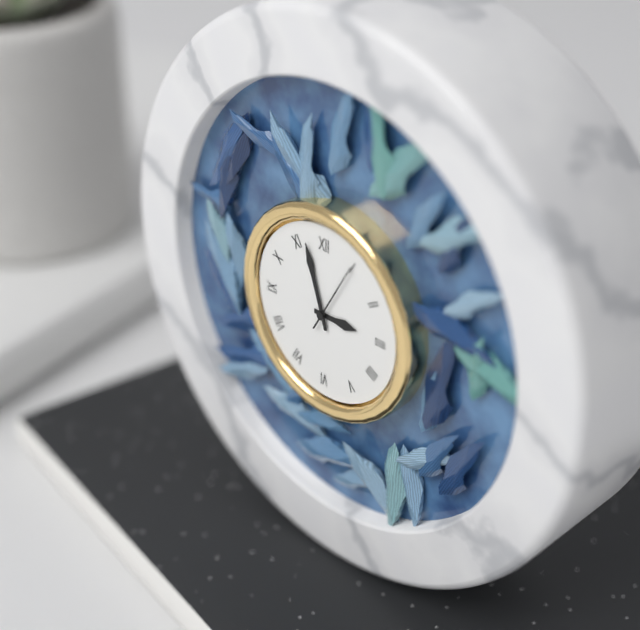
2:57:05
